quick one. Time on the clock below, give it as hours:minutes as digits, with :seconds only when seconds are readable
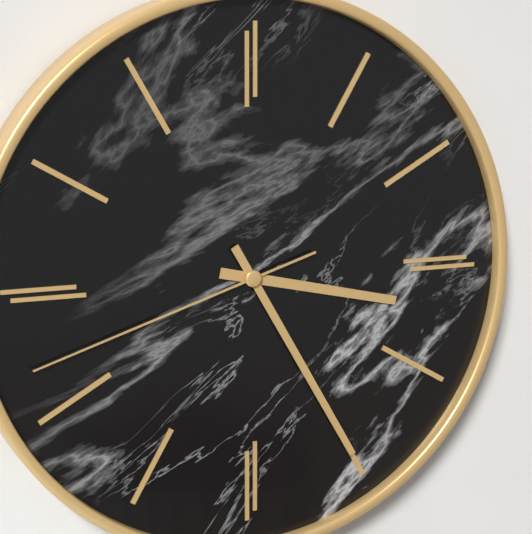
3:25:42
